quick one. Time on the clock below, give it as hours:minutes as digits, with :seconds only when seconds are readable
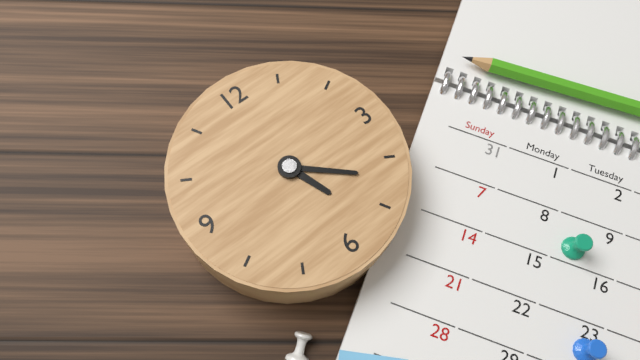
5:22
